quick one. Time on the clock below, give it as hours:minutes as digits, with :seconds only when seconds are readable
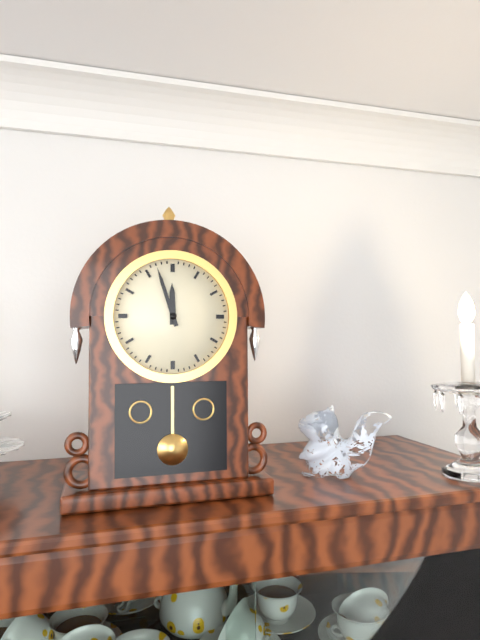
11:57
